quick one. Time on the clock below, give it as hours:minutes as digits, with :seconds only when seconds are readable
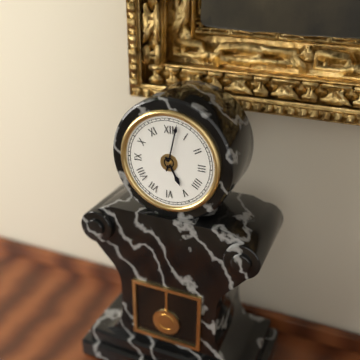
5:02
